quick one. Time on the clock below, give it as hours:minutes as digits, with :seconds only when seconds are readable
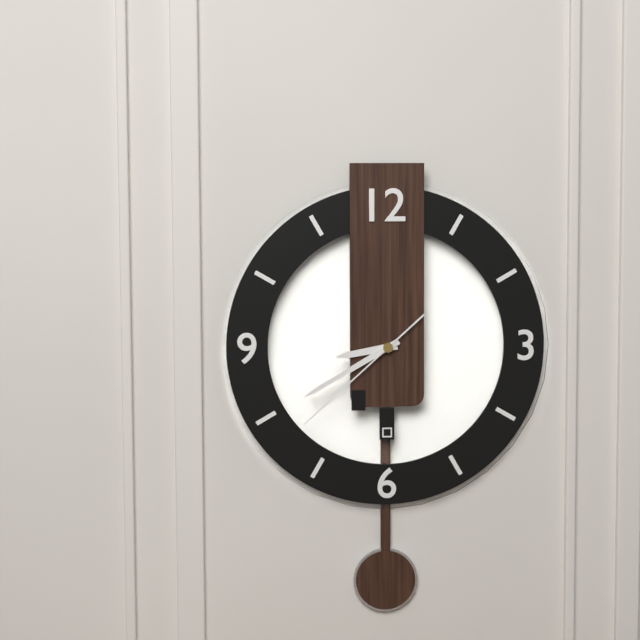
8:40:38
